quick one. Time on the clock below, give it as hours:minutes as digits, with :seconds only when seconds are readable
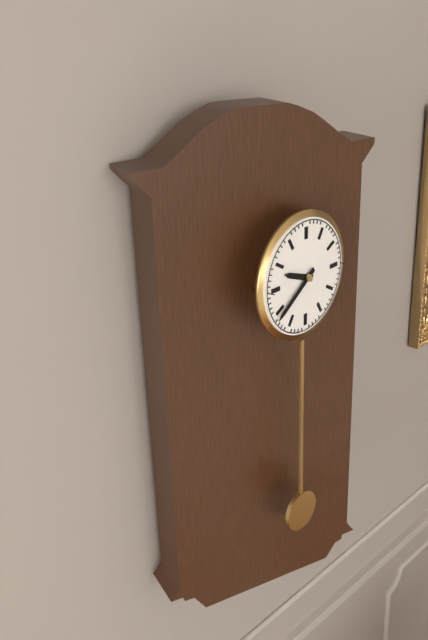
9:39
